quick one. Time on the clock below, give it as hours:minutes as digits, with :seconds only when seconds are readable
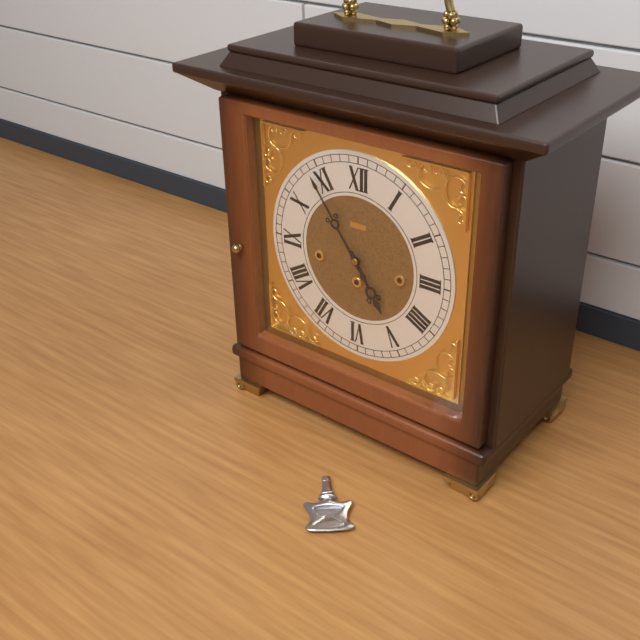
4:54
